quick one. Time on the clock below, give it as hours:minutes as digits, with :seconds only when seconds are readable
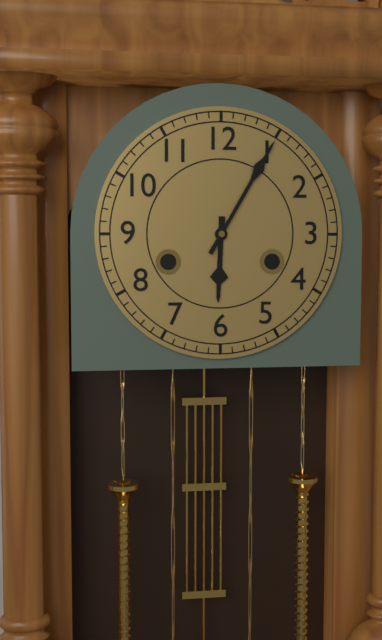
6:05
